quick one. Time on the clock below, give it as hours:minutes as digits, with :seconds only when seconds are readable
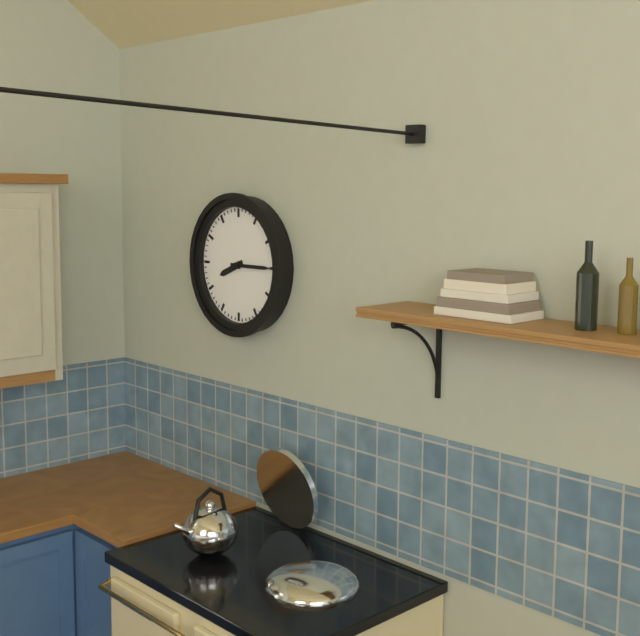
8:15
